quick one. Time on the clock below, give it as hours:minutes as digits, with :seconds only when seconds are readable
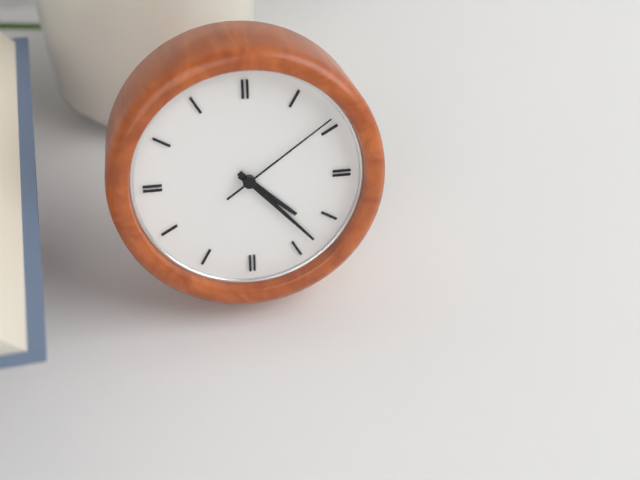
4:23:09
